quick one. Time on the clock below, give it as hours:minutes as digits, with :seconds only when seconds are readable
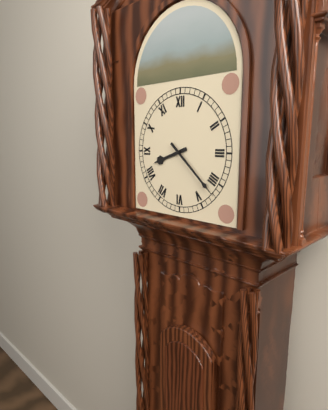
8:22
